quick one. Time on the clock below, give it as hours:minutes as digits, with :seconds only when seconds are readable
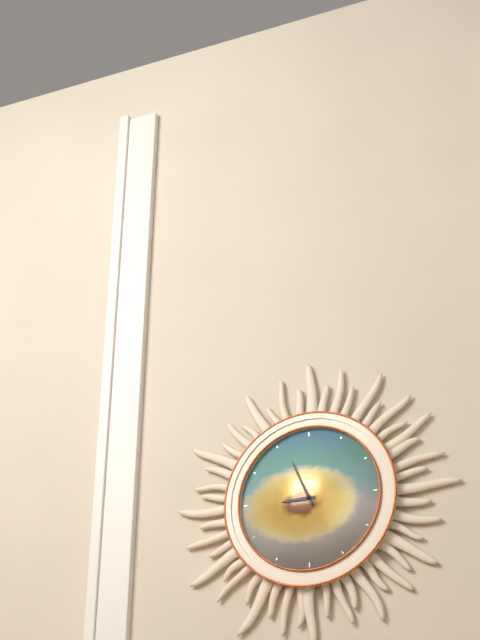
8:56
